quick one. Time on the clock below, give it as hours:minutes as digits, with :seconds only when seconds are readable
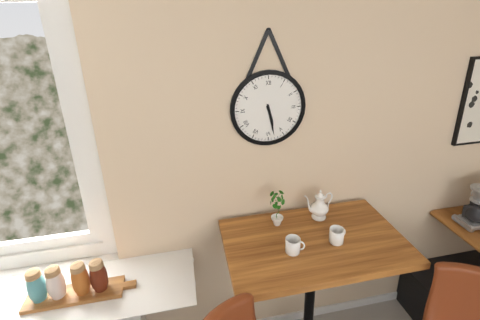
5:28
